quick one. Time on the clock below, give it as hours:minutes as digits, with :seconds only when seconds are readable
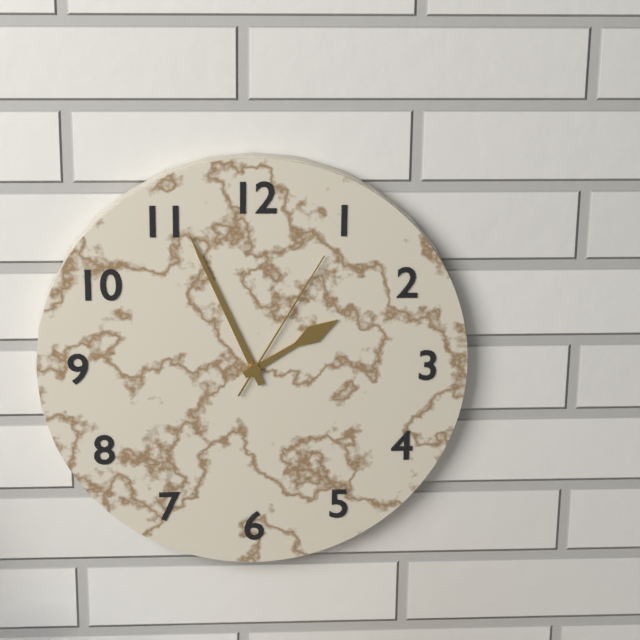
1:56:05
